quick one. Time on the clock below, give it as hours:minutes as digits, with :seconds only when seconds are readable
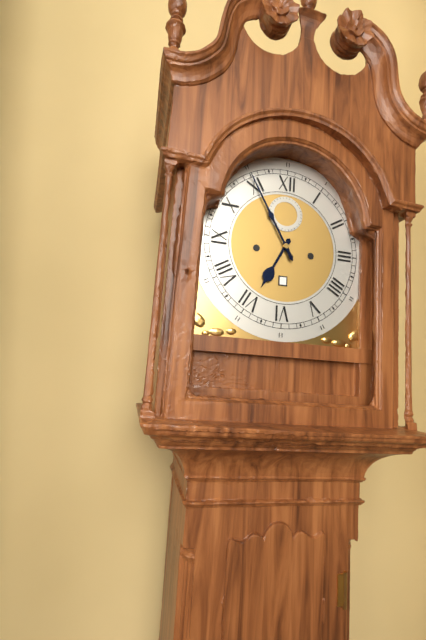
6:55
